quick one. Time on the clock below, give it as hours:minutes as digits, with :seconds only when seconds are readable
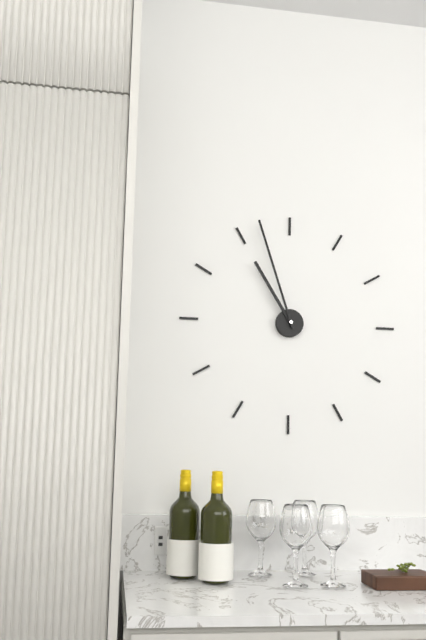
10:57
